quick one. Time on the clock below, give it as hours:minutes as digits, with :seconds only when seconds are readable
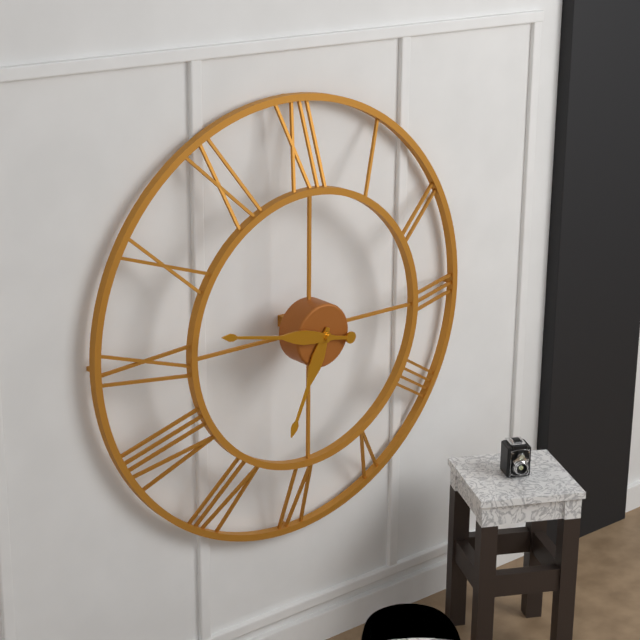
6:47
